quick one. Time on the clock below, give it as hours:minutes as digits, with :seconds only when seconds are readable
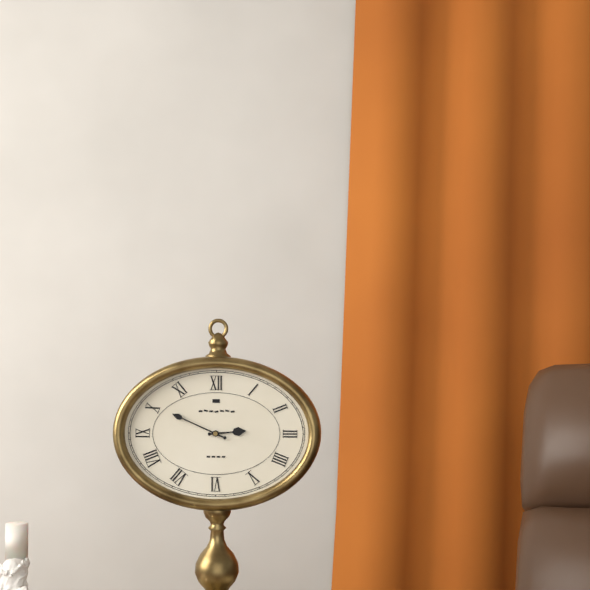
2:49
